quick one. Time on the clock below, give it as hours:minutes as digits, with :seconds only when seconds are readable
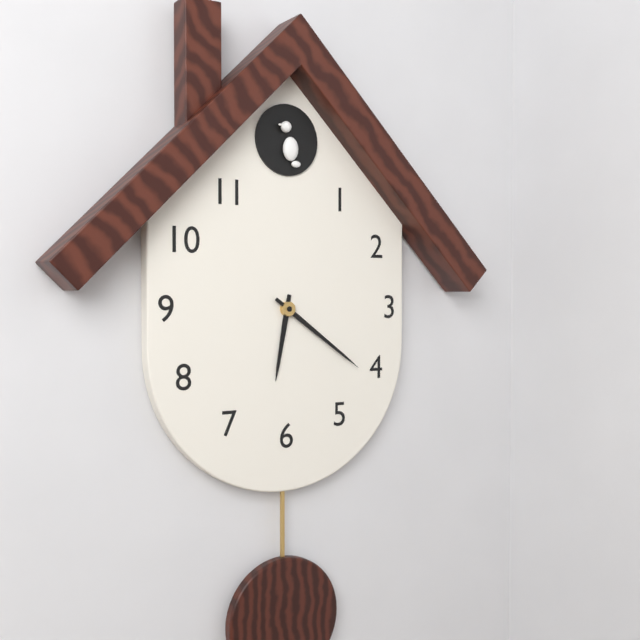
6:21
